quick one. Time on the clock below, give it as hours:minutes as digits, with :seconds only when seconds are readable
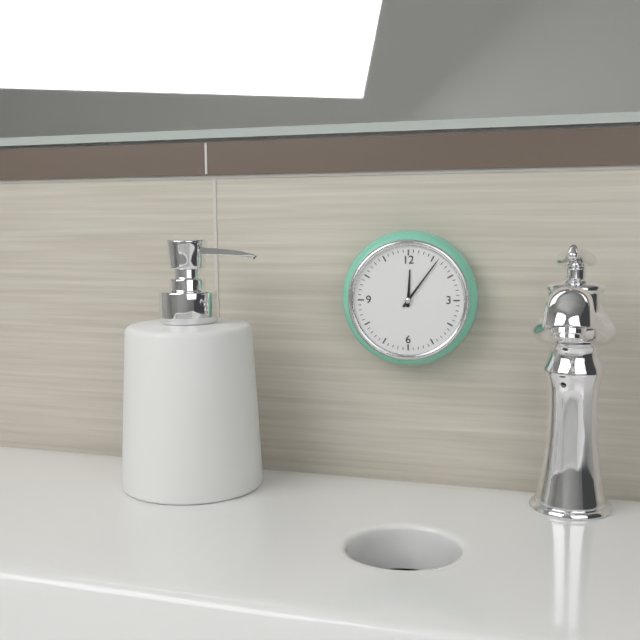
12:06
